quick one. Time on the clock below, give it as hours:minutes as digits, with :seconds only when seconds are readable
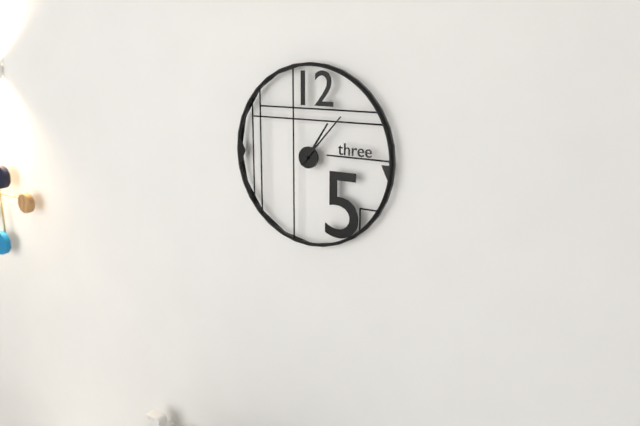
1:07
